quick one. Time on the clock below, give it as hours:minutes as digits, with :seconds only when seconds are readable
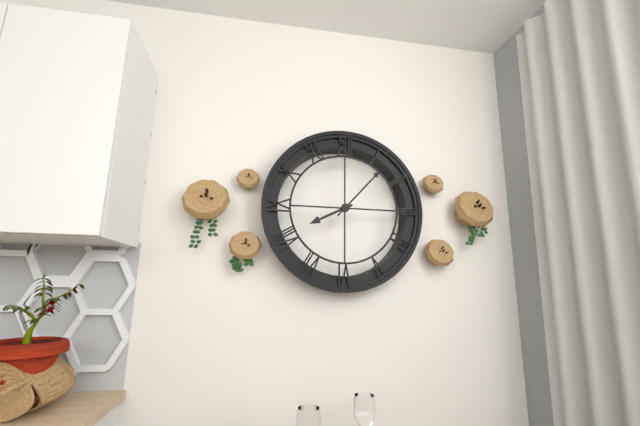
8:07
